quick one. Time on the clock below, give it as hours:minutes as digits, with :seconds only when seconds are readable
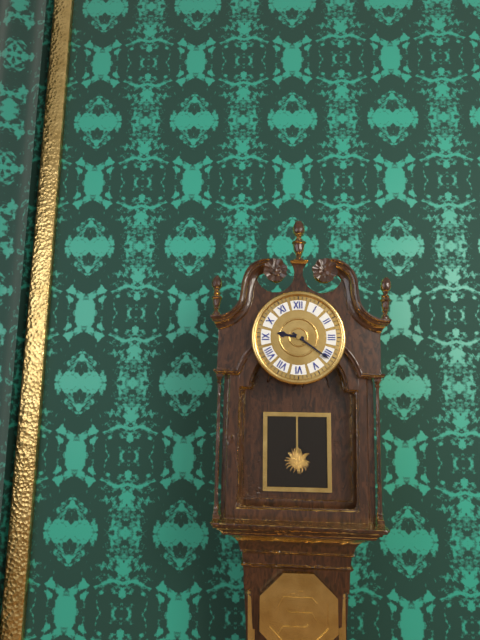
9:21
